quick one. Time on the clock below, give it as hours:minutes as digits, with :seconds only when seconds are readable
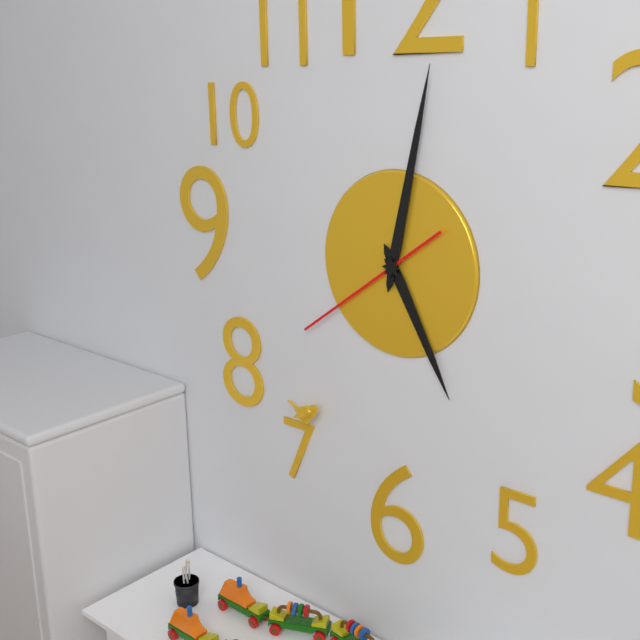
5:02:39
